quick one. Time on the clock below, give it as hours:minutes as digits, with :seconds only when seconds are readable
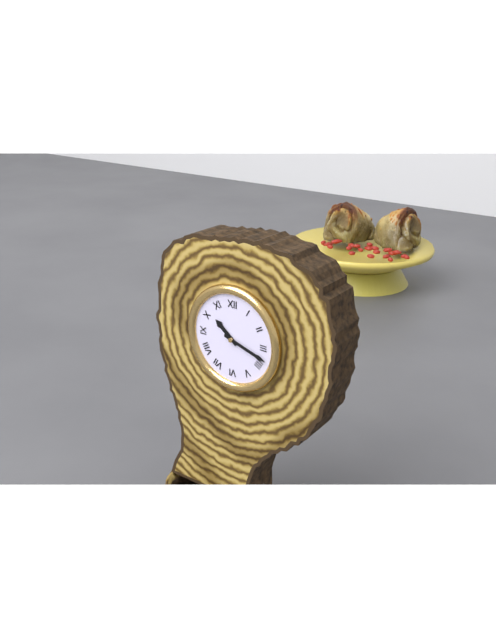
10:18
